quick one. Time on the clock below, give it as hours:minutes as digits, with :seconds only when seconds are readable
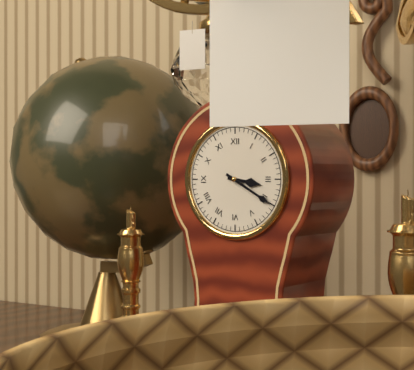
3:20
